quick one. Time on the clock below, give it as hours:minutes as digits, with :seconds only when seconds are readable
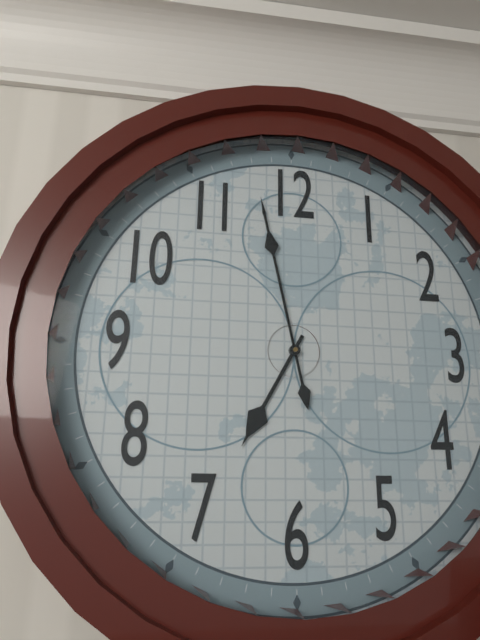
6:58
